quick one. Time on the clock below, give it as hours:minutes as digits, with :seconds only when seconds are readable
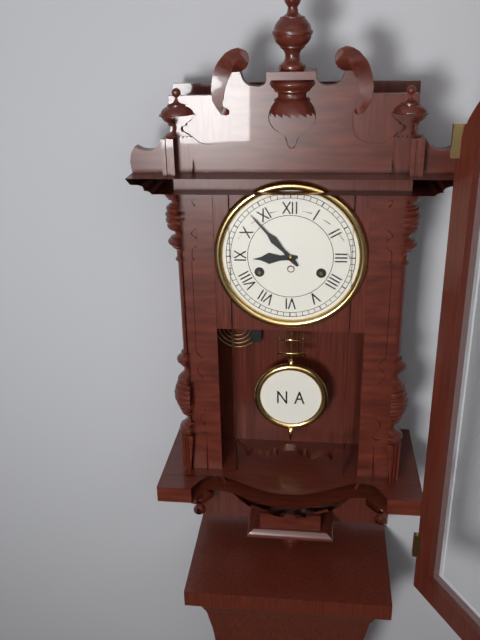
8:53
